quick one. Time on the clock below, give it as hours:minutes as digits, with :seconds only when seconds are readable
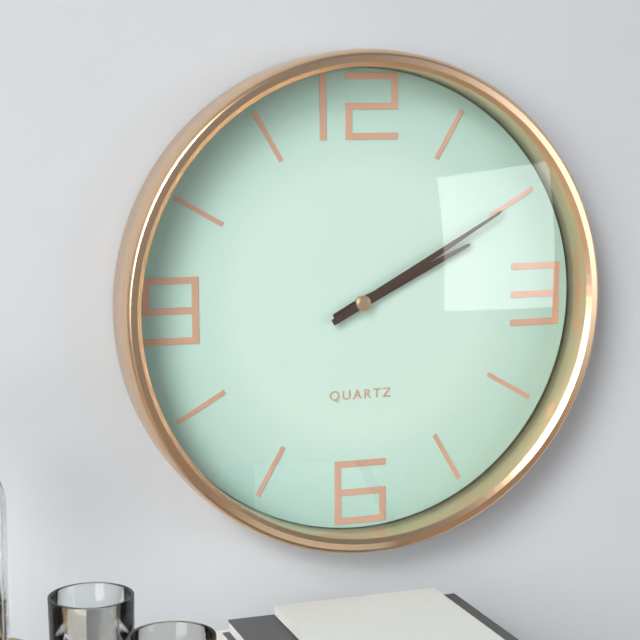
2:10
